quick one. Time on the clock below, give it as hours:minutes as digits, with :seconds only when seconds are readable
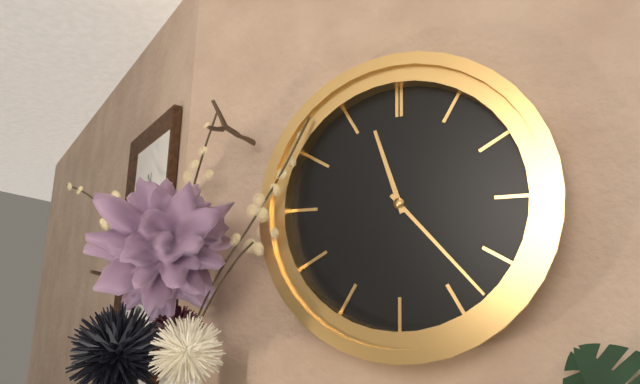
11:23
